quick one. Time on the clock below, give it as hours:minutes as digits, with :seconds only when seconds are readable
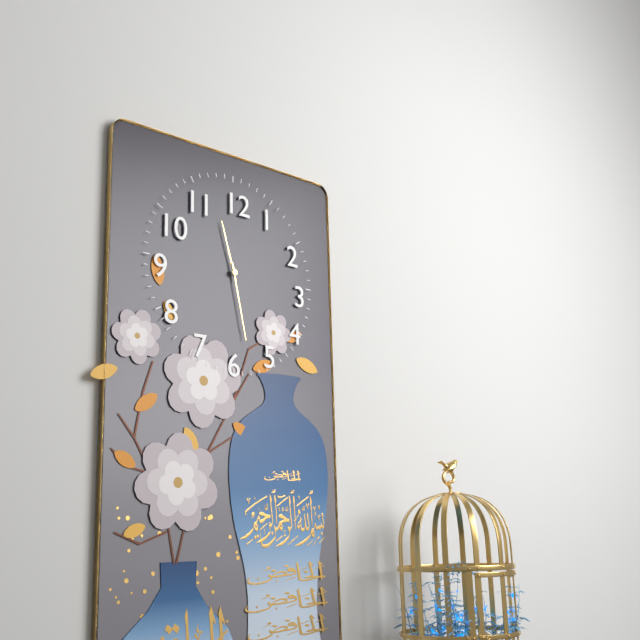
11:28
